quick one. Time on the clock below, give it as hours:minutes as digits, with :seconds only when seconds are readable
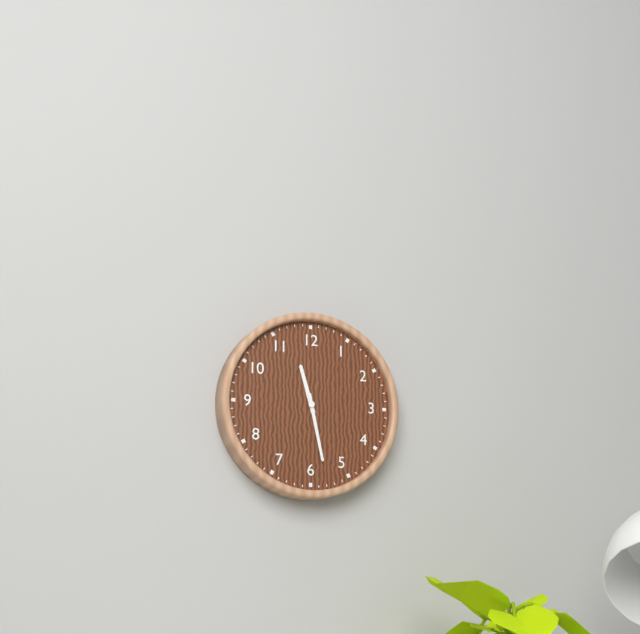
11:28
